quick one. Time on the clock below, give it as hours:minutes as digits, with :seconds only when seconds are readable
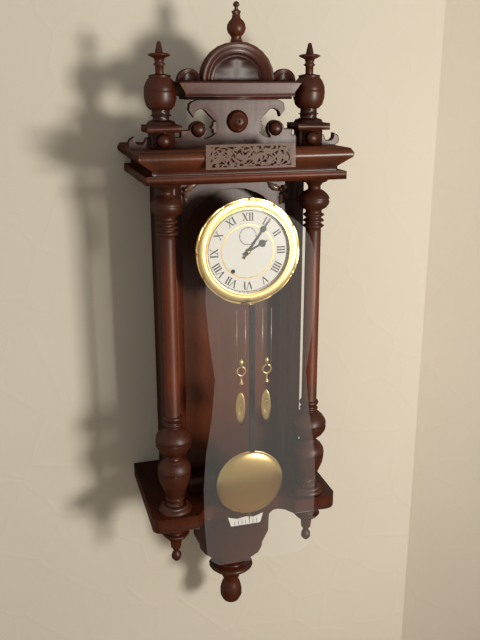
2:06
